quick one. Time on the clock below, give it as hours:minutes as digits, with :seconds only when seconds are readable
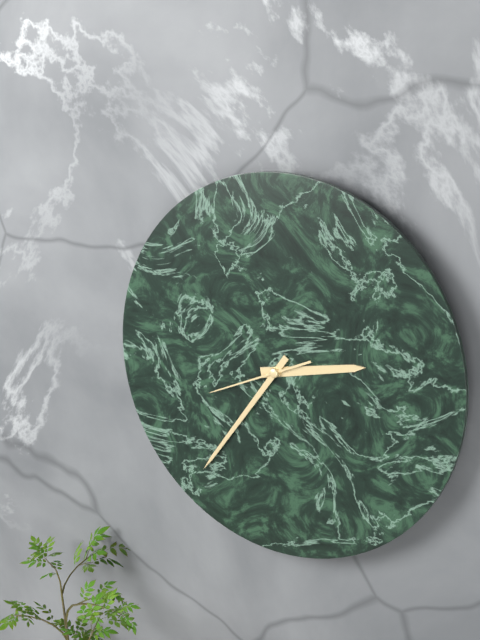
2:36:41
